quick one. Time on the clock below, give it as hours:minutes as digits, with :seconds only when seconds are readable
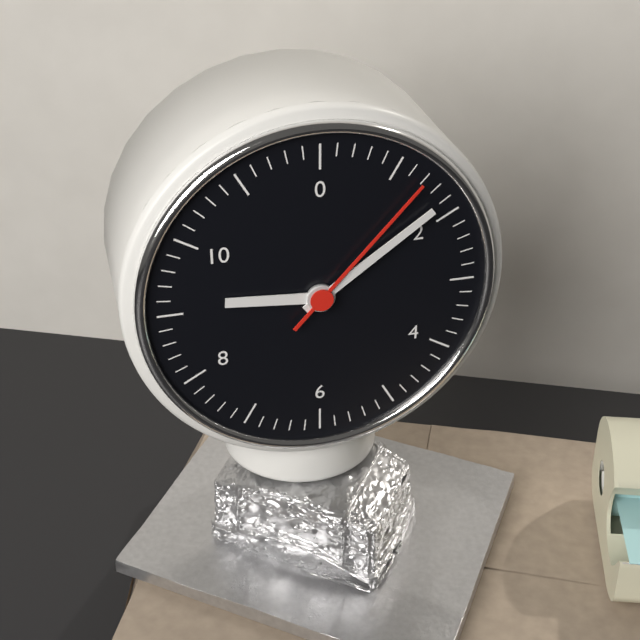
9:09:07
